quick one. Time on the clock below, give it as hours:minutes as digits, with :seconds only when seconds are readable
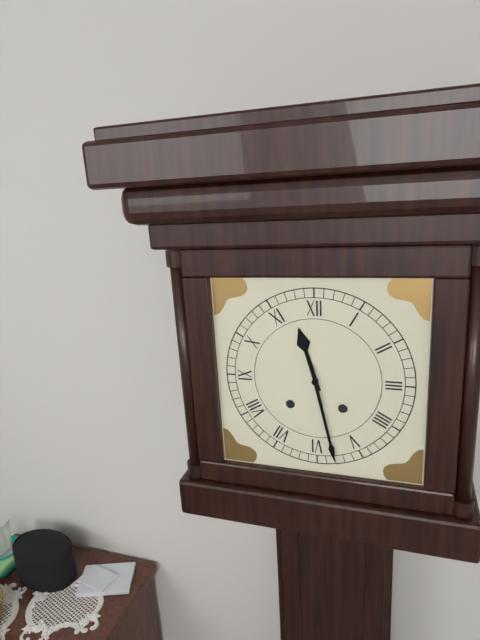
11:28
